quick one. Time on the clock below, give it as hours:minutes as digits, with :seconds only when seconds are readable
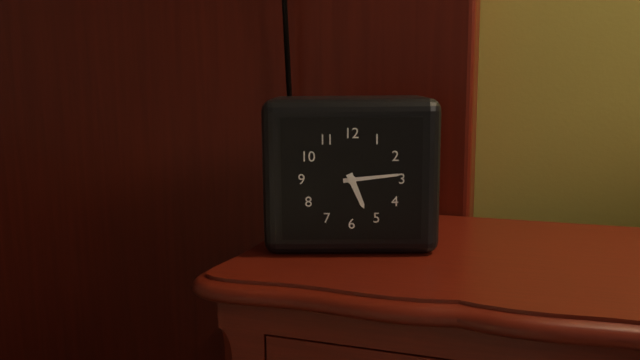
5:14
